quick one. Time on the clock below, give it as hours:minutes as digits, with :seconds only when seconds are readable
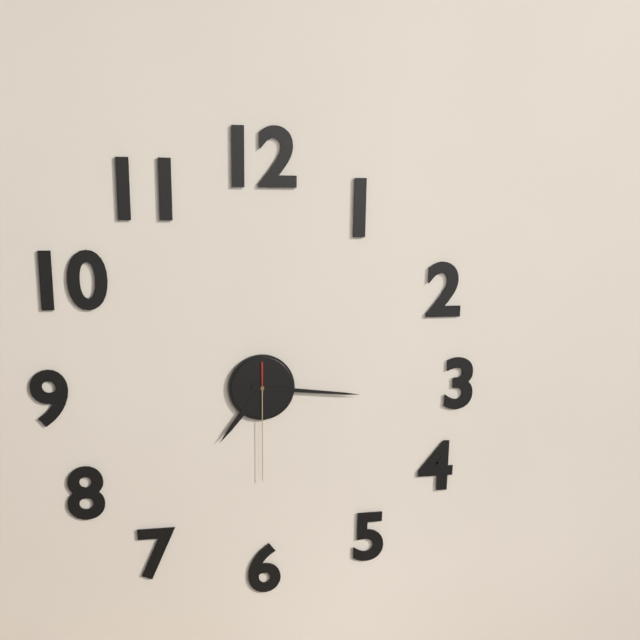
7:16:30
